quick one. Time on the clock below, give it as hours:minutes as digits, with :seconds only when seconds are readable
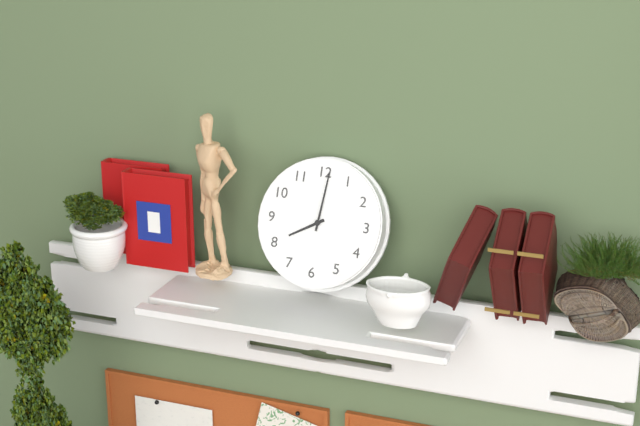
8:01
